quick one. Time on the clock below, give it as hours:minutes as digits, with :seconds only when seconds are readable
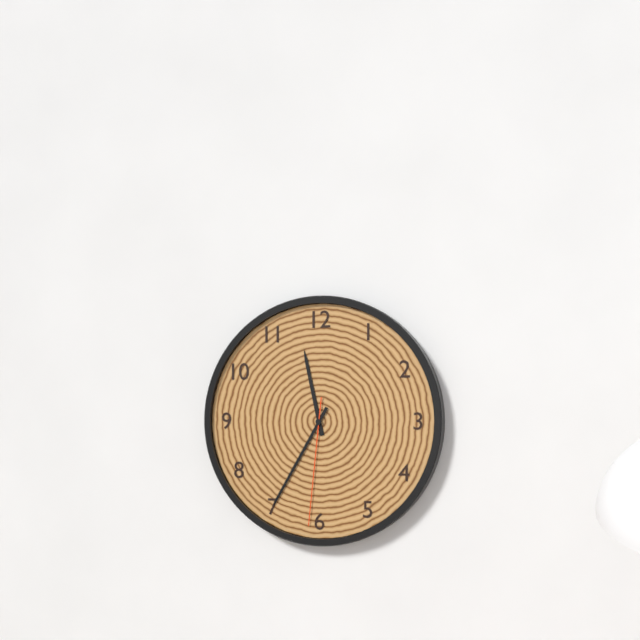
11:35:31
